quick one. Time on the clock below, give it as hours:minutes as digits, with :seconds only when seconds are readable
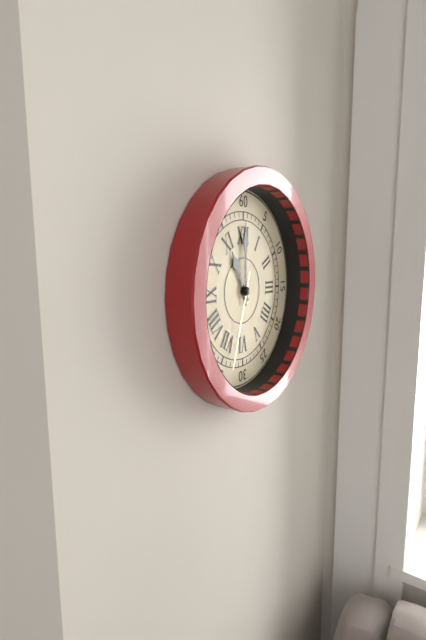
11:00:33
